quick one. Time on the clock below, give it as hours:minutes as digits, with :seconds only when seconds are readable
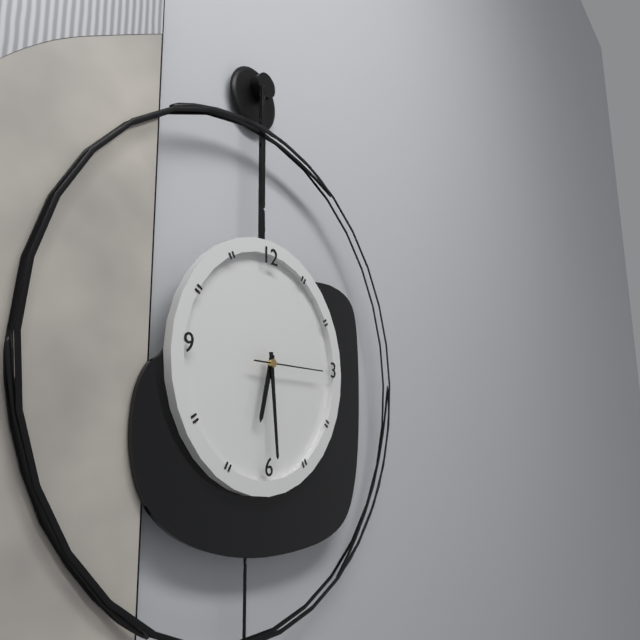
6:29:15
